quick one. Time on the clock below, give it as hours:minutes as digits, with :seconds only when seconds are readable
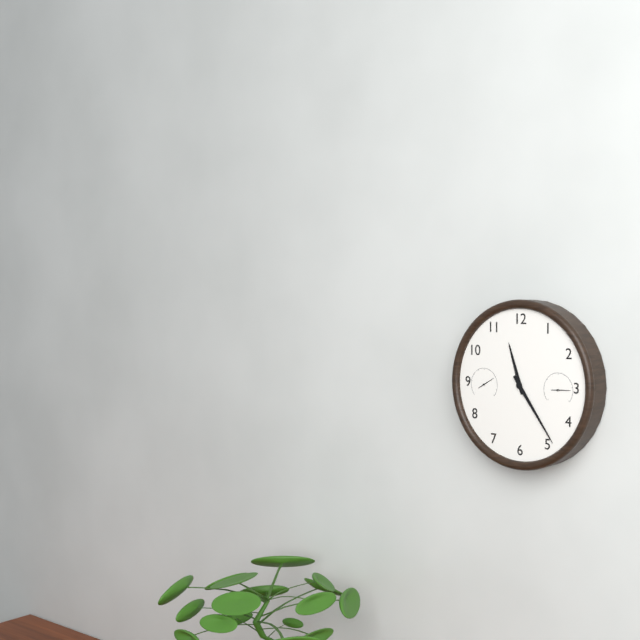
11:24
